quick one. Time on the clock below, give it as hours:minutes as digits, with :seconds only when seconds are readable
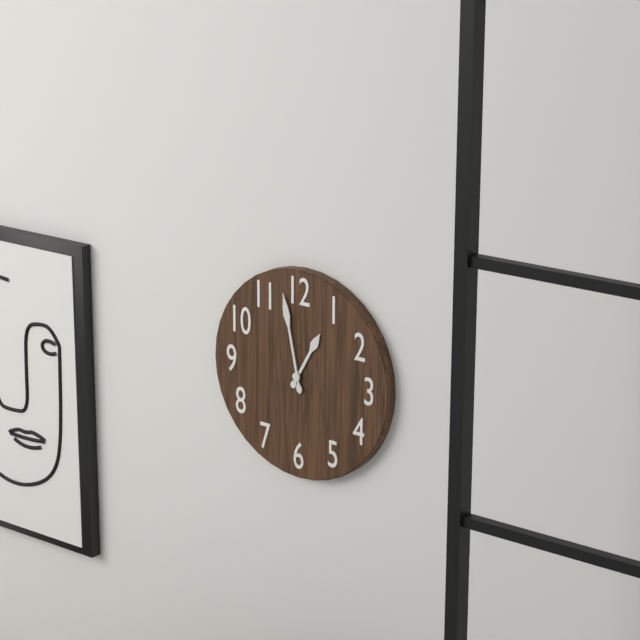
12:58
